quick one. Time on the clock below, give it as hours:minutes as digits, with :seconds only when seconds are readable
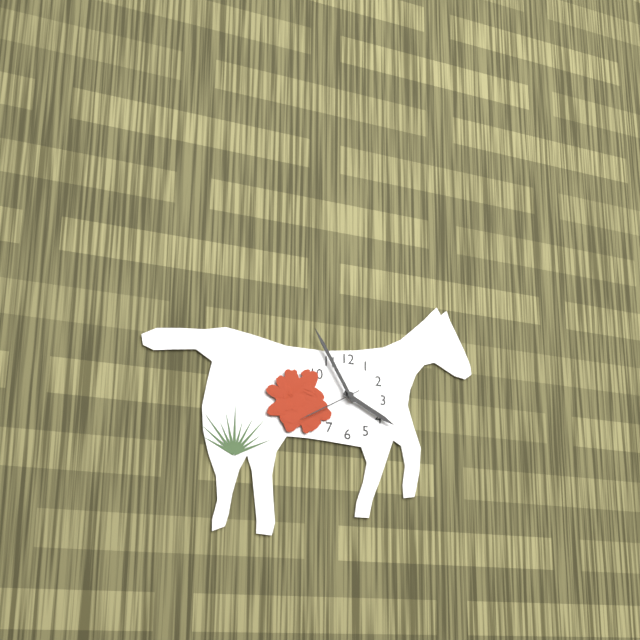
3:55:40
